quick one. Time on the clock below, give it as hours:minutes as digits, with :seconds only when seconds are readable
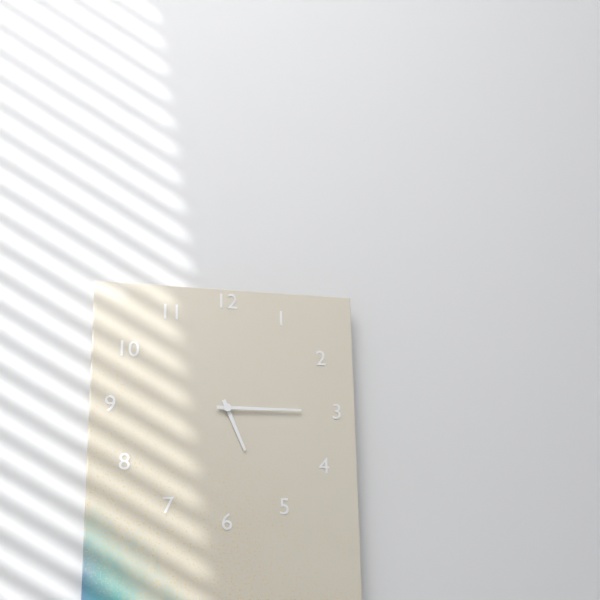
5:15
